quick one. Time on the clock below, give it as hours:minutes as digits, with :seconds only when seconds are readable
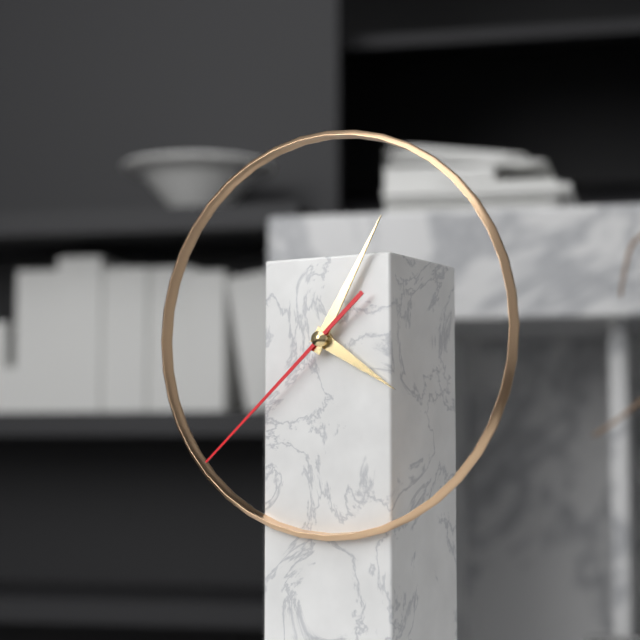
4:05:38
